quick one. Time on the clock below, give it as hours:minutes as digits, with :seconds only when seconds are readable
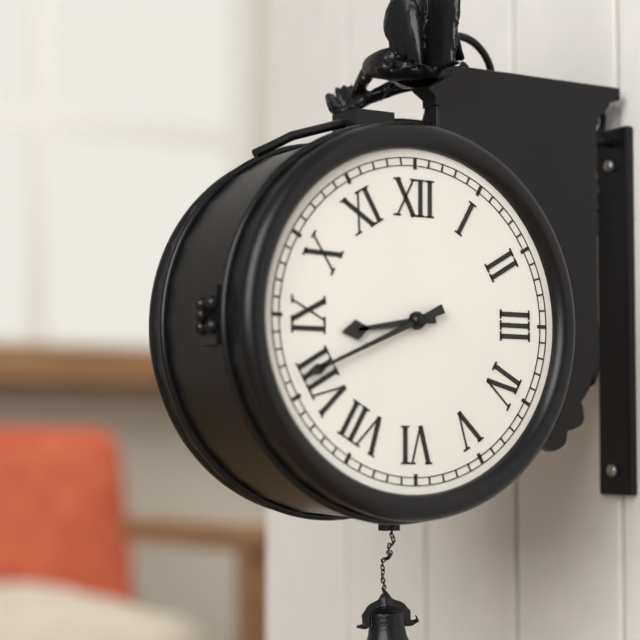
8:41
